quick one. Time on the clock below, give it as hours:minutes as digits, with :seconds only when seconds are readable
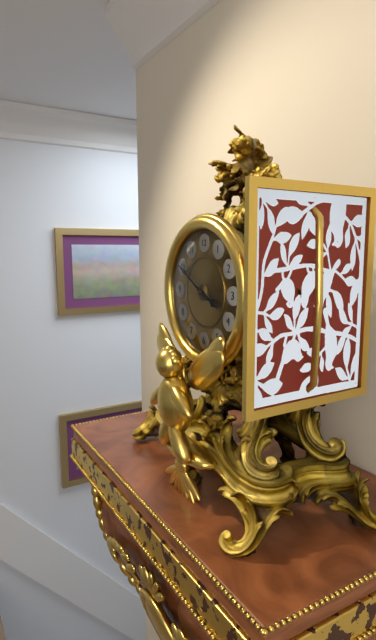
3:50
